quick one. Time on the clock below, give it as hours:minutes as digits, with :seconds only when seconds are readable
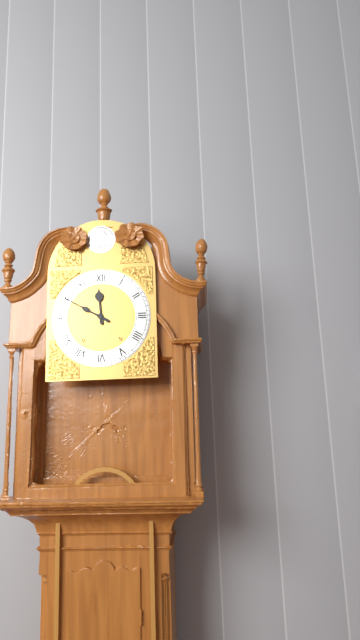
11:50
